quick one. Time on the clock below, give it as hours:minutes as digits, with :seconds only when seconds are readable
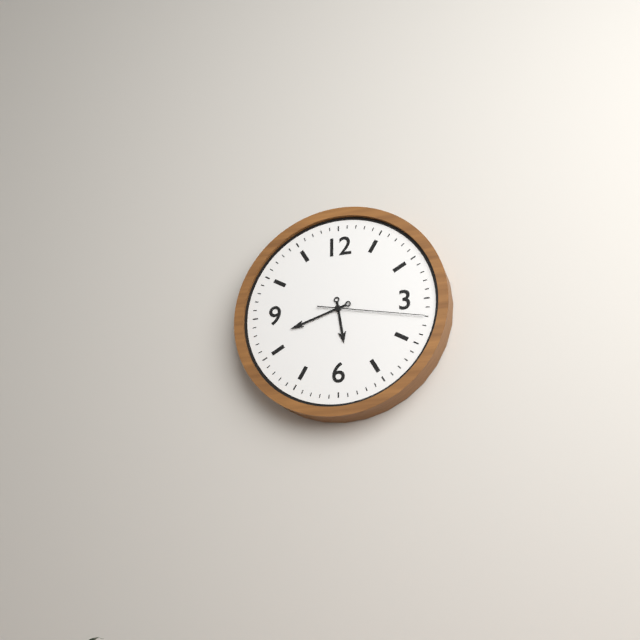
5:42:17
